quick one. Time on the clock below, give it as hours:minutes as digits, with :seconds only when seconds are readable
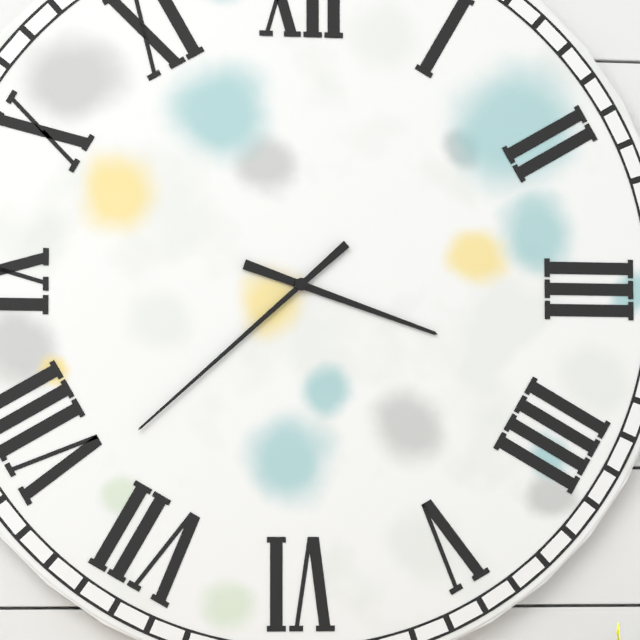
3:38
